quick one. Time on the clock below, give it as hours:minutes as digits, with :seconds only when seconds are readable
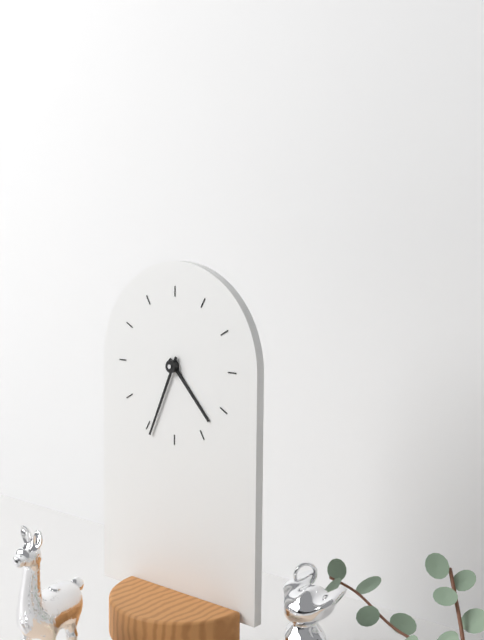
4:34
